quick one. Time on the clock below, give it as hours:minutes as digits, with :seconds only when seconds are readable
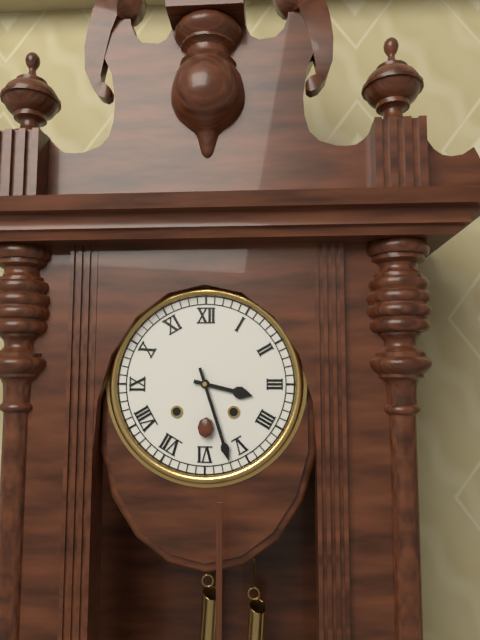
3:27
